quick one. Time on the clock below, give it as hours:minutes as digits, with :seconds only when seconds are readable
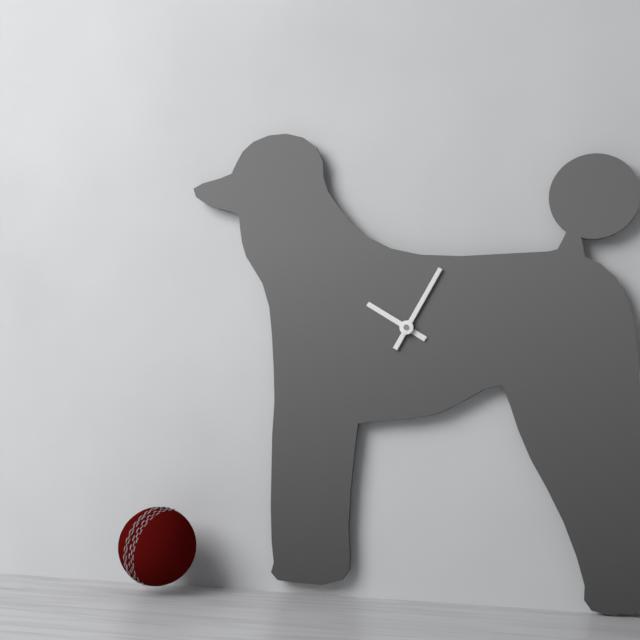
10:05
